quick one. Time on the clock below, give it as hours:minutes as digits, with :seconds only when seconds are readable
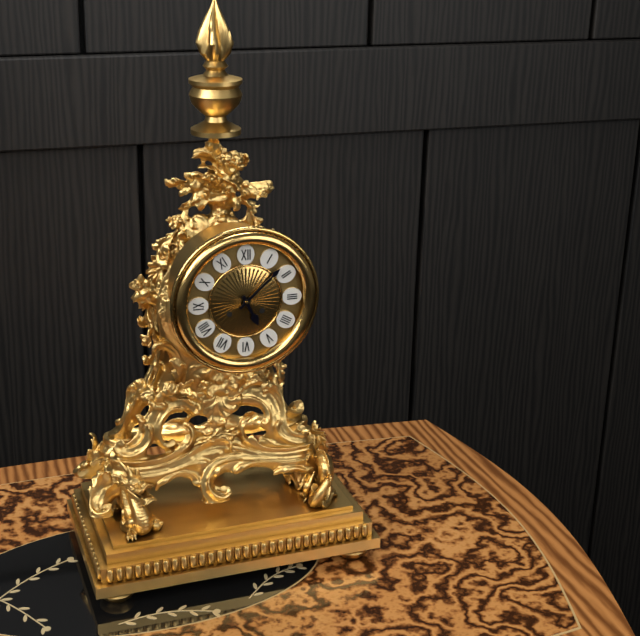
5:08
